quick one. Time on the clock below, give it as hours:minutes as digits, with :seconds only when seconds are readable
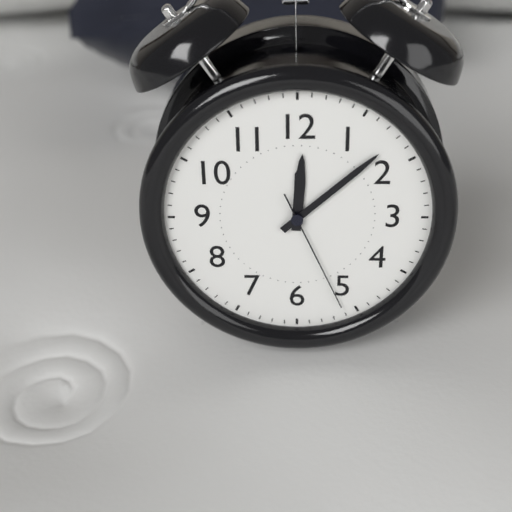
12:08:26
